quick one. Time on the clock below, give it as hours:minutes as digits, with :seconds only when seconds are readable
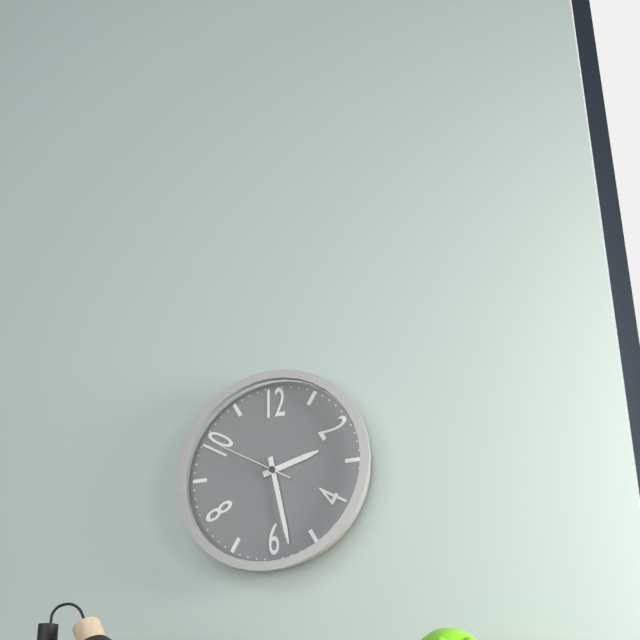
2:28:50
